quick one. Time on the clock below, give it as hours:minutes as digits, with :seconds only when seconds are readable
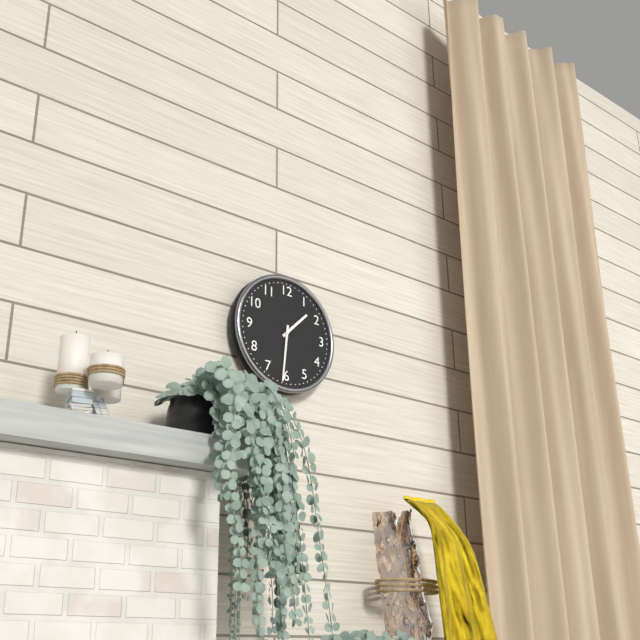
1:31
